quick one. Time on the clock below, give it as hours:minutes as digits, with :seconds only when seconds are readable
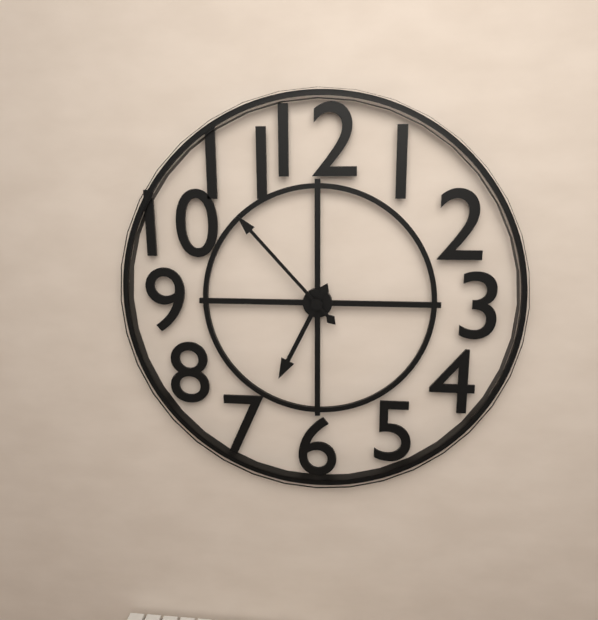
6:53
